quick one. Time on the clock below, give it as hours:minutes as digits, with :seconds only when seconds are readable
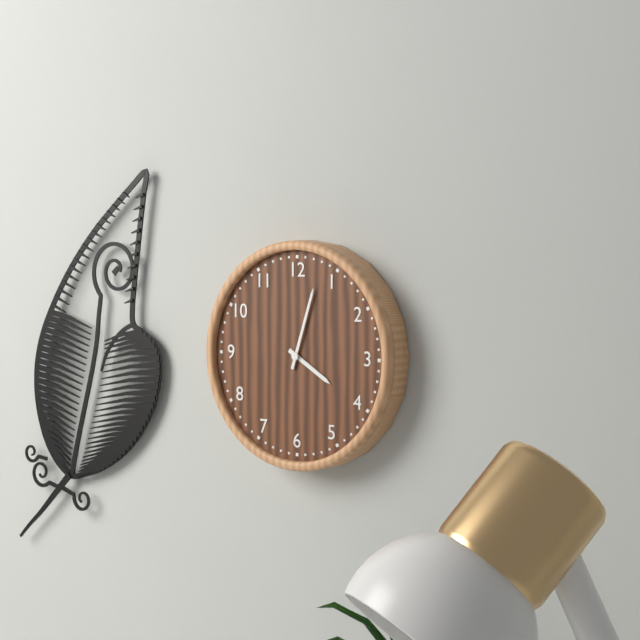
4:03
